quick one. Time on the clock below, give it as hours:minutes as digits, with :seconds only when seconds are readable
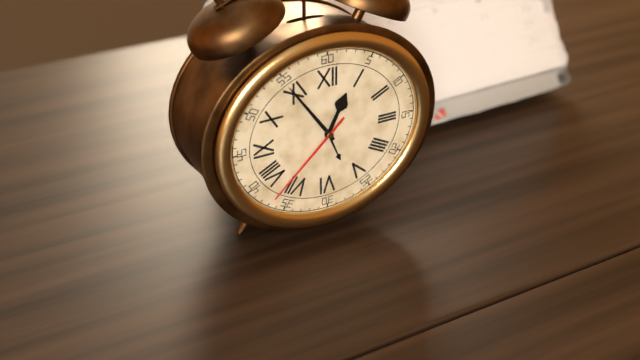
12:54:38
